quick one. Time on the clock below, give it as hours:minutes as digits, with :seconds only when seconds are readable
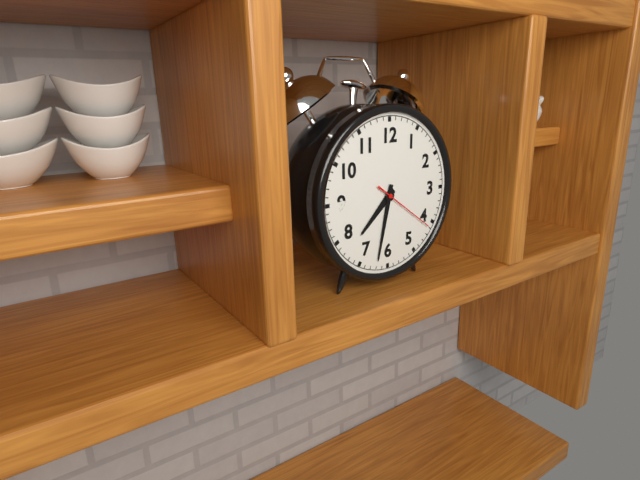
7:32:21
